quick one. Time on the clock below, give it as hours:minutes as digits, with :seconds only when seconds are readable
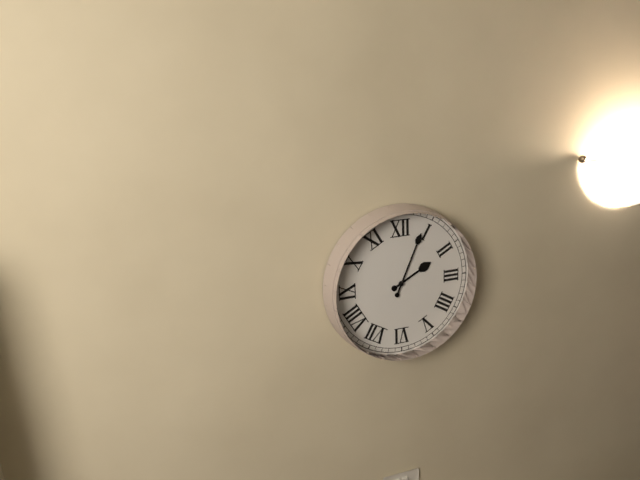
2:04
